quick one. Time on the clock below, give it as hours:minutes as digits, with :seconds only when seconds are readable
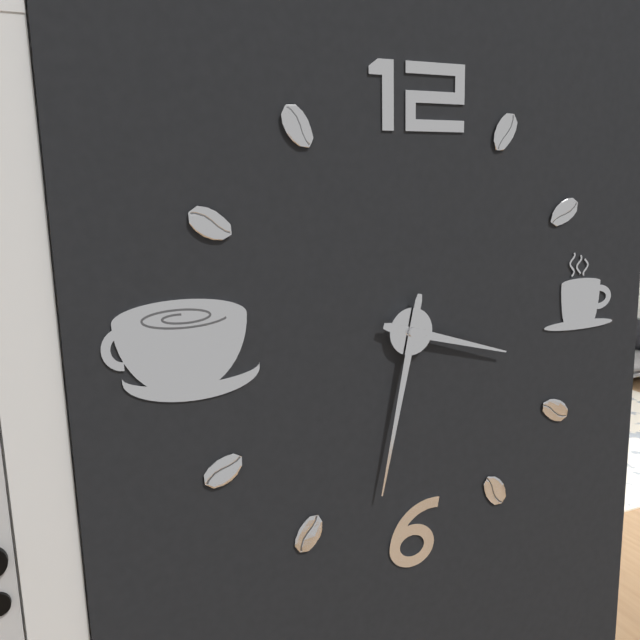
3:32
